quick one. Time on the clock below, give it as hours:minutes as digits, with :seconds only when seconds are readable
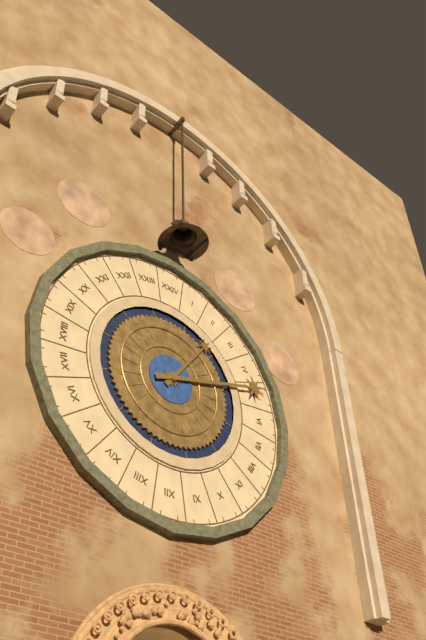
1:12
